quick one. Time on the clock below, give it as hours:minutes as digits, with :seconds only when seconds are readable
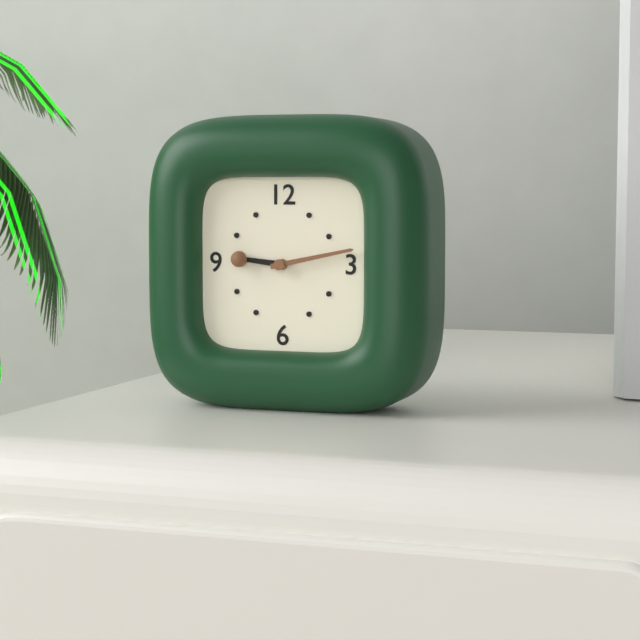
9:13
